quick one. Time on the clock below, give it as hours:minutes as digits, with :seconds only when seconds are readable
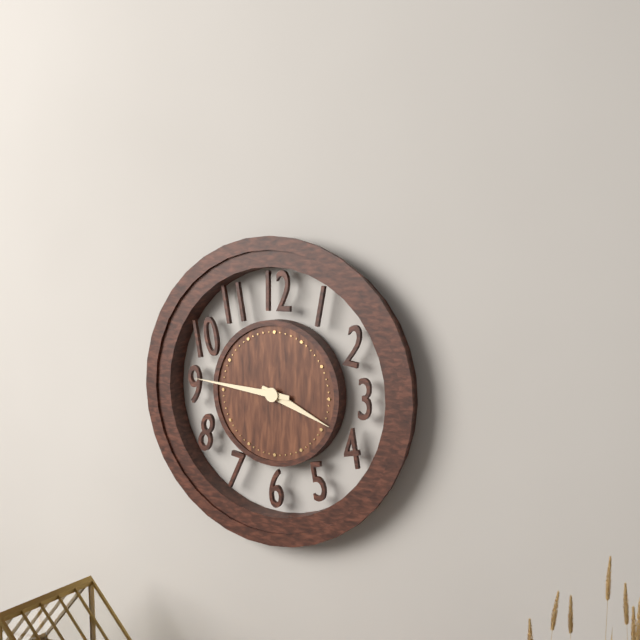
3:46
